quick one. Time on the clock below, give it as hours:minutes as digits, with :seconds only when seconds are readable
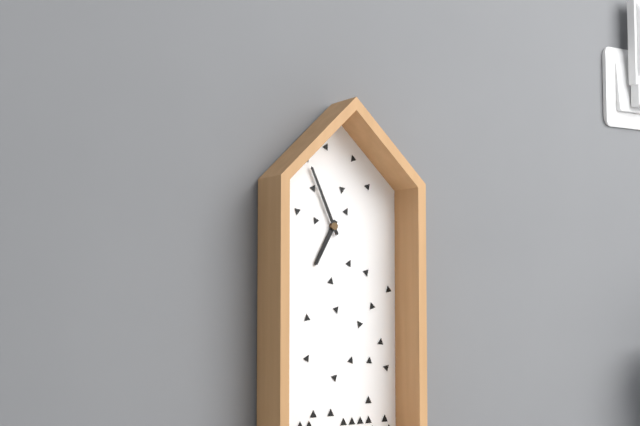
6:56
